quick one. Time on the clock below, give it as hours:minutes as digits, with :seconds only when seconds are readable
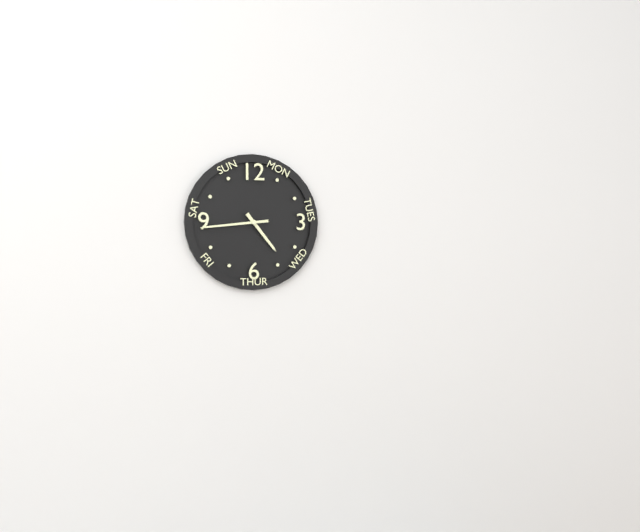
4:44
